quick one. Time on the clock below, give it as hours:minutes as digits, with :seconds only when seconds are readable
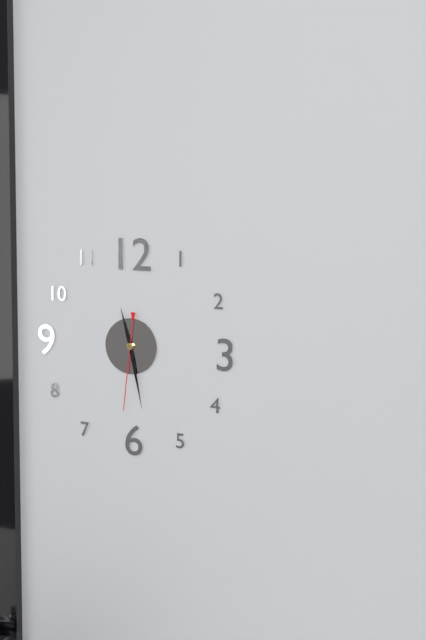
11:28:31
